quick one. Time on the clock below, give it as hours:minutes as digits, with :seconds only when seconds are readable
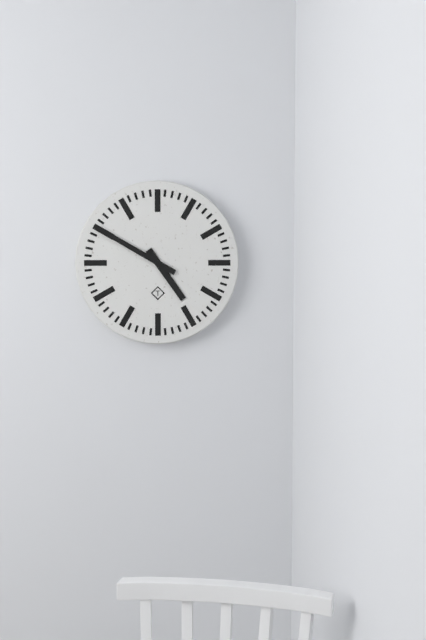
4:50
